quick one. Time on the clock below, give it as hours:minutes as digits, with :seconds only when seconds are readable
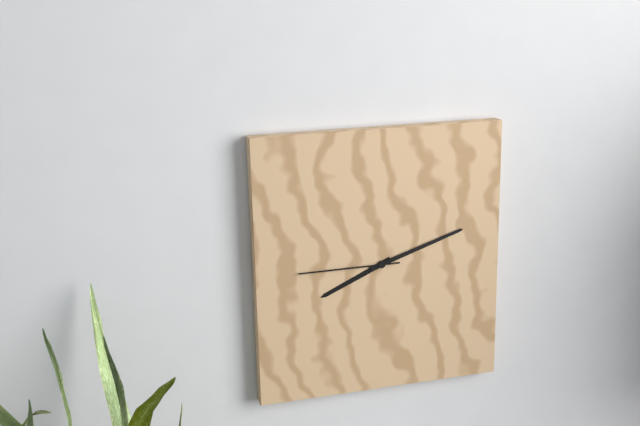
8:12:45
